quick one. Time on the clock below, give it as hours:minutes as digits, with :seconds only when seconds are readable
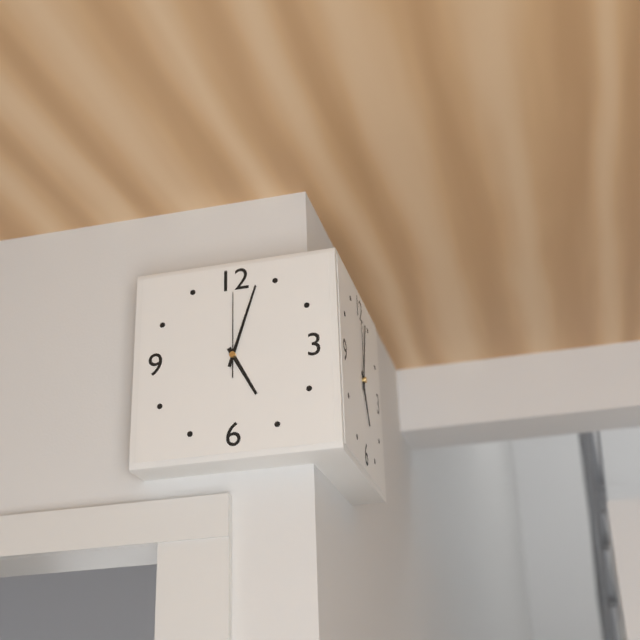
5:03:00
